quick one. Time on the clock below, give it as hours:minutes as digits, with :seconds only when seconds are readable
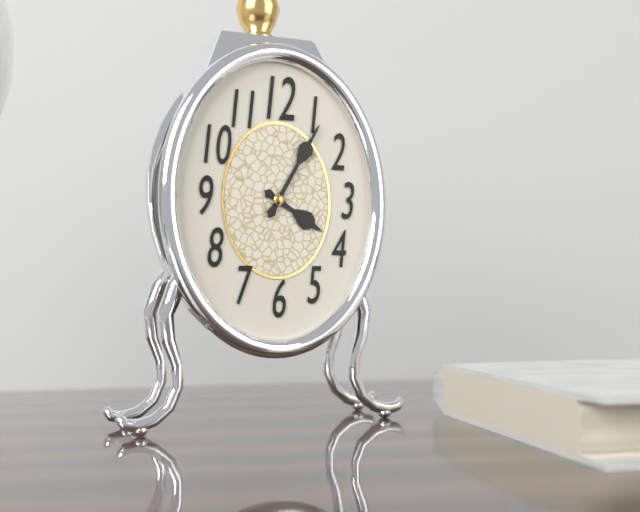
4:05
